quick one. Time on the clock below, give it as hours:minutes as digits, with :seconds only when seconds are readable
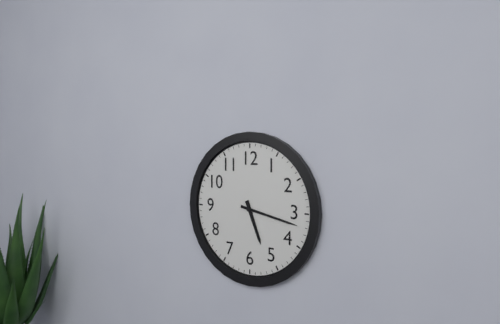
5:17
